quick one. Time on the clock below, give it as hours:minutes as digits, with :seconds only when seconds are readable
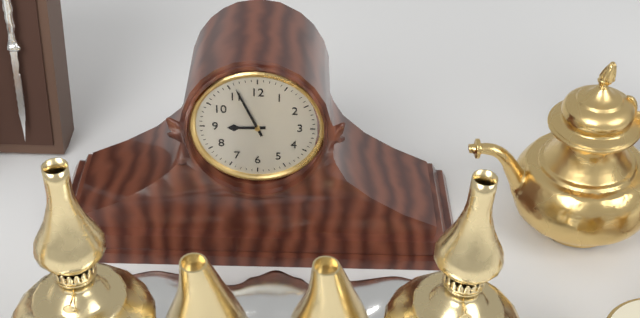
8:56
